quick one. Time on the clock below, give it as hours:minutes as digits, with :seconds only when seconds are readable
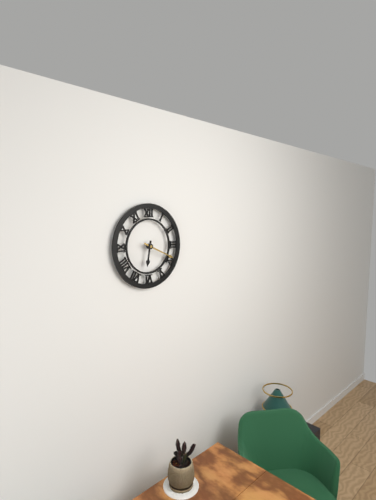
6:19
